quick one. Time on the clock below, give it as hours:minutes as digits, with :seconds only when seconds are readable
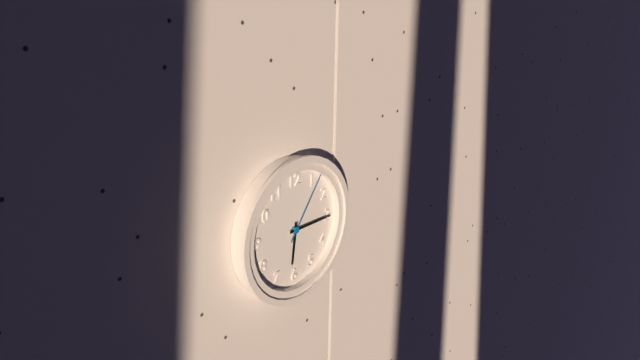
6:15:06
